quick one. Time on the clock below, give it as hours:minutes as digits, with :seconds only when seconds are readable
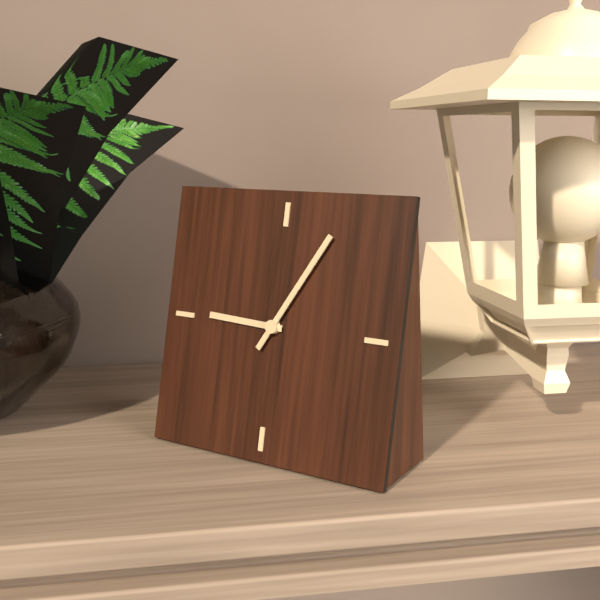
9:05
